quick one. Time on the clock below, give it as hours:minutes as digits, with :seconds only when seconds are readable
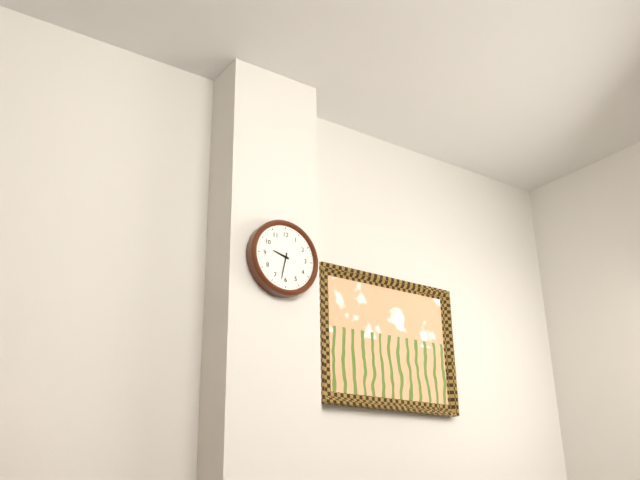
9:32
